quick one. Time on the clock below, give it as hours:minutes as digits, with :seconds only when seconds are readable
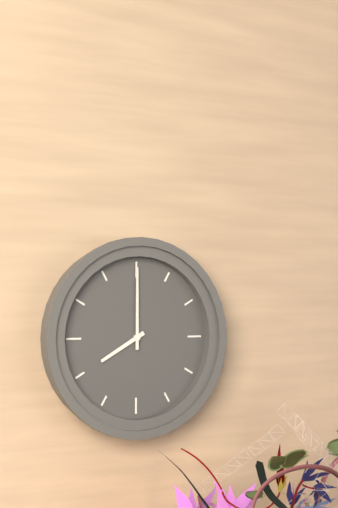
8:00
